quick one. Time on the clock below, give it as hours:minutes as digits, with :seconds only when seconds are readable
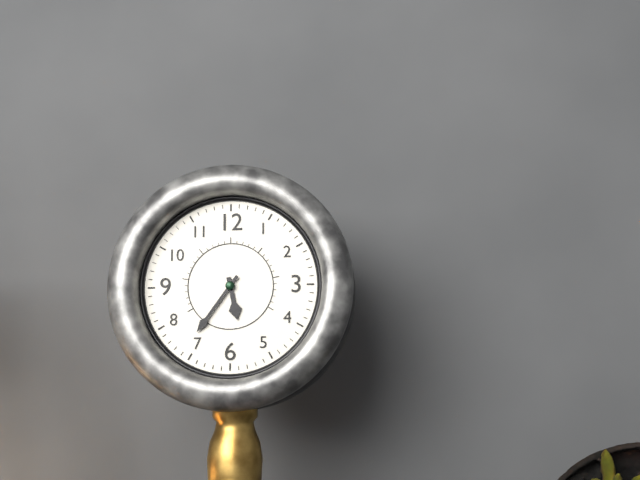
5:36
